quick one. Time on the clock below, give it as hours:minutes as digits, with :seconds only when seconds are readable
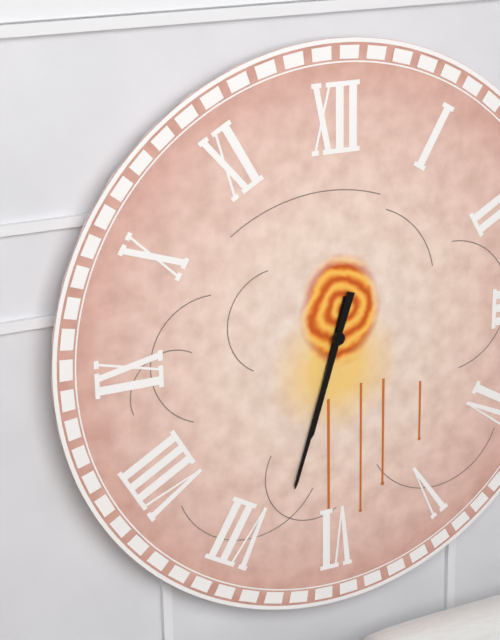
6:33
